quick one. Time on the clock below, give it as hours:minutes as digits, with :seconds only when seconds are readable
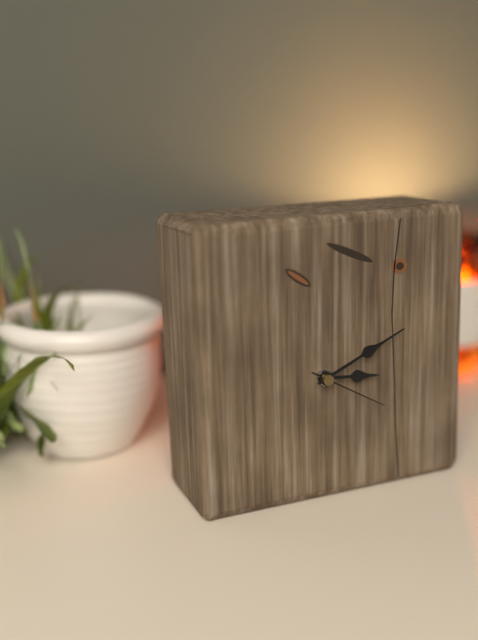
3:11:20
